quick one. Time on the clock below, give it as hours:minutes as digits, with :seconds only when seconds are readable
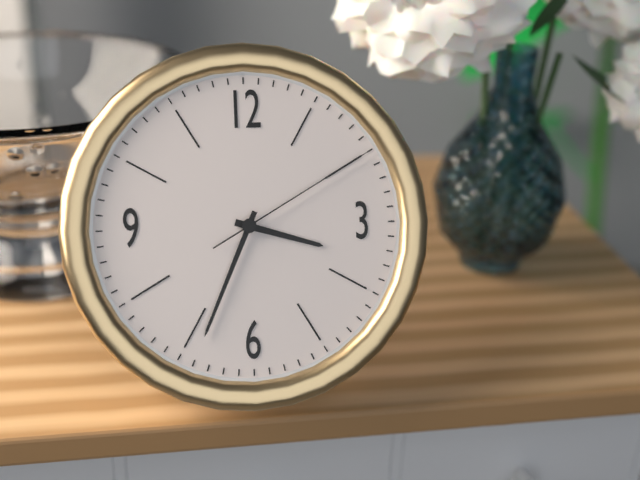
3:34:10
